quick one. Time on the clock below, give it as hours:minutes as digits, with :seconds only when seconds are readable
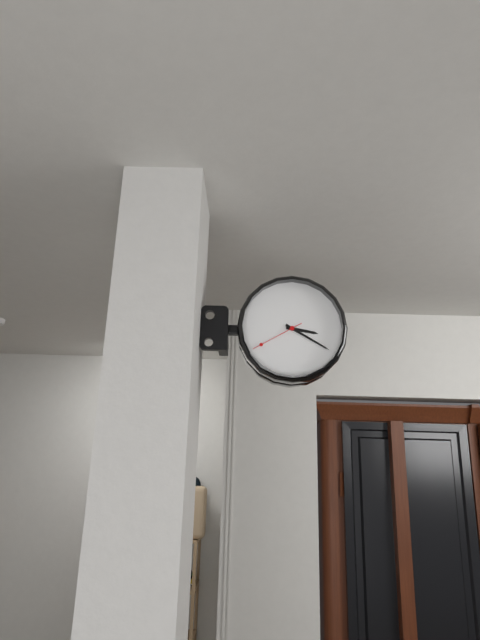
3:20:40
